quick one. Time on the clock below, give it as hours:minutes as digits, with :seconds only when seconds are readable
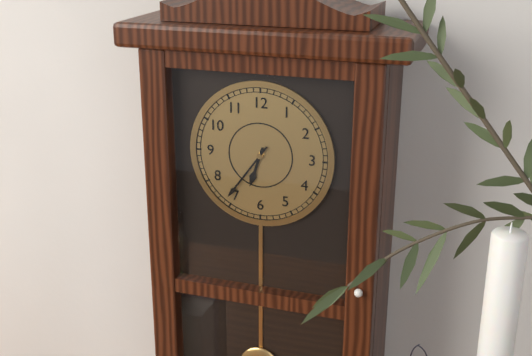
6:36
